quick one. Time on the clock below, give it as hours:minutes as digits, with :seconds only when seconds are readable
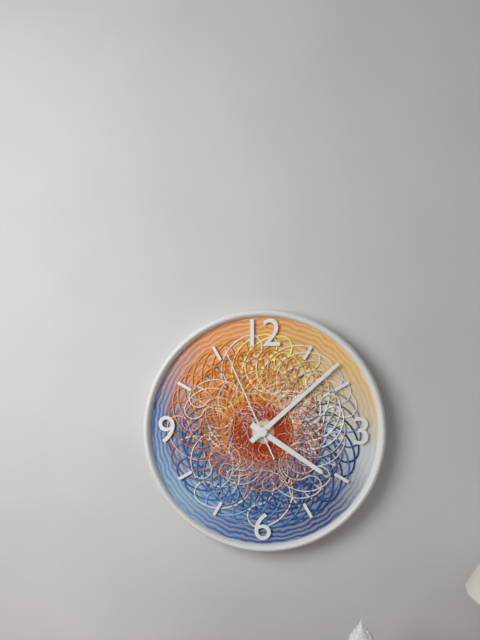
4:08:56
